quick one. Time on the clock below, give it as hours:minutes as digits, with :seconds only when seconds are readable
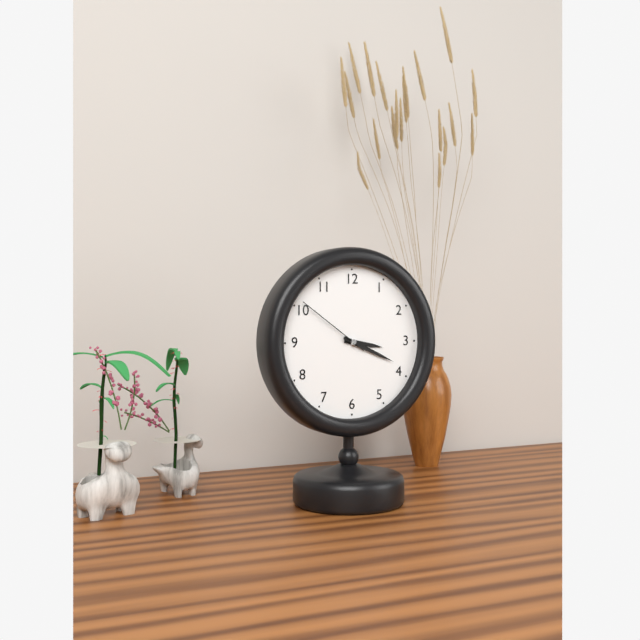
3:19:51
